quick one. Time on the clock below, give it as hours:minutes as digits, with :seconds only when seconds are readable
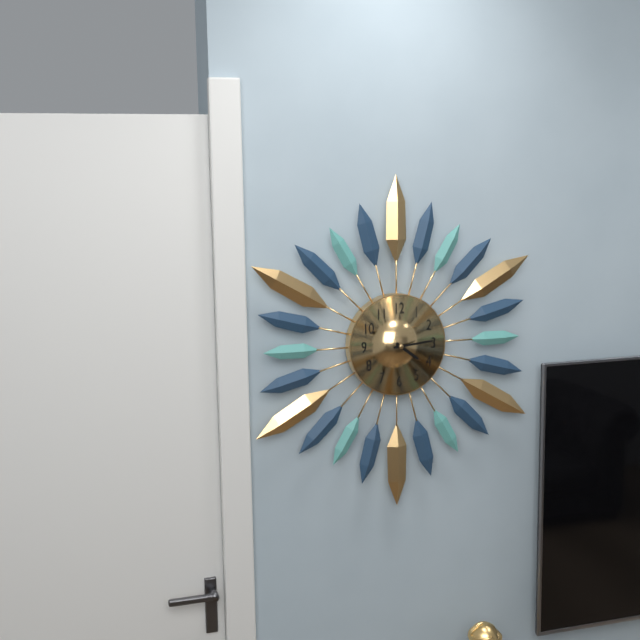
4:14
